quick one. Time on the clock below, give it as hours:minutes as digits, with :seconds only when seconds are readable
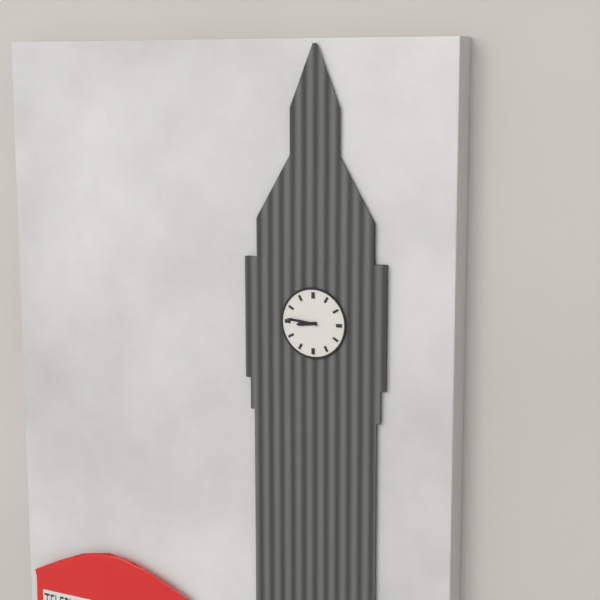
8:46
